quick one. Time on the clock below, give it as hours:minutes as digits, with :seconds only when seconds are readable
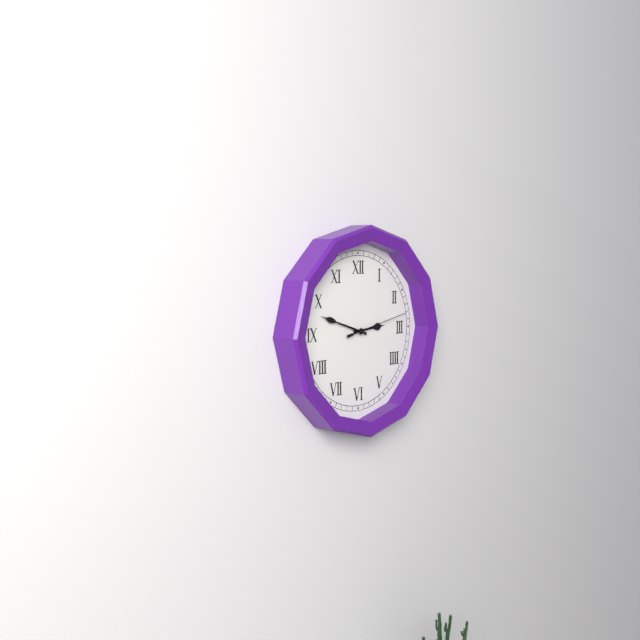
2:48:13
